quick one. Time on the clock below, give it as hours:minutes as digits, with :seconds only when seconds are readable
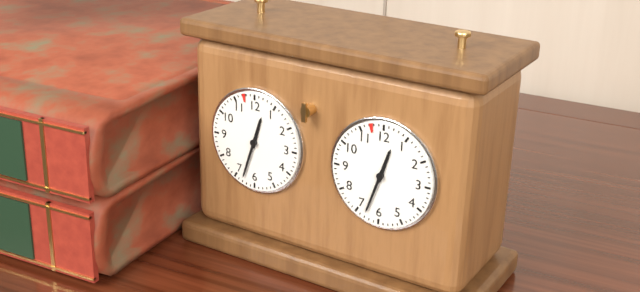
12:33
